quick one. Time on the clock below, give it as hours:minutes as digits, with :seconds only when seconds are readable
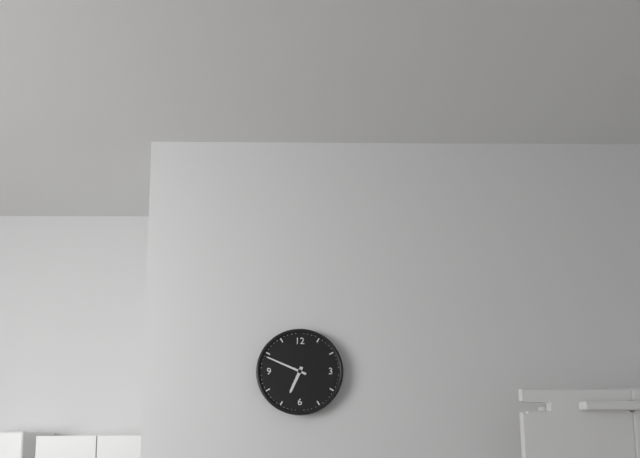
6:49
